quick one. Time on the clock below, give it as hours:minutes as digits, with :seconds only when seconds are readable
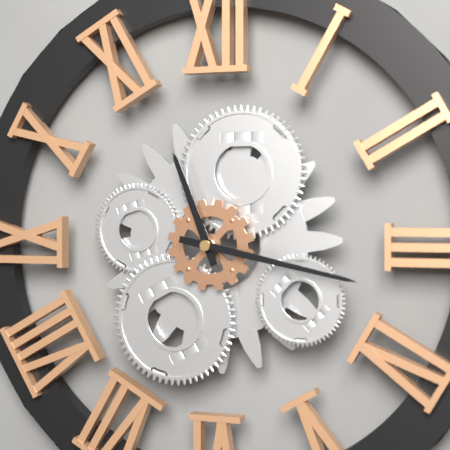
11:17
